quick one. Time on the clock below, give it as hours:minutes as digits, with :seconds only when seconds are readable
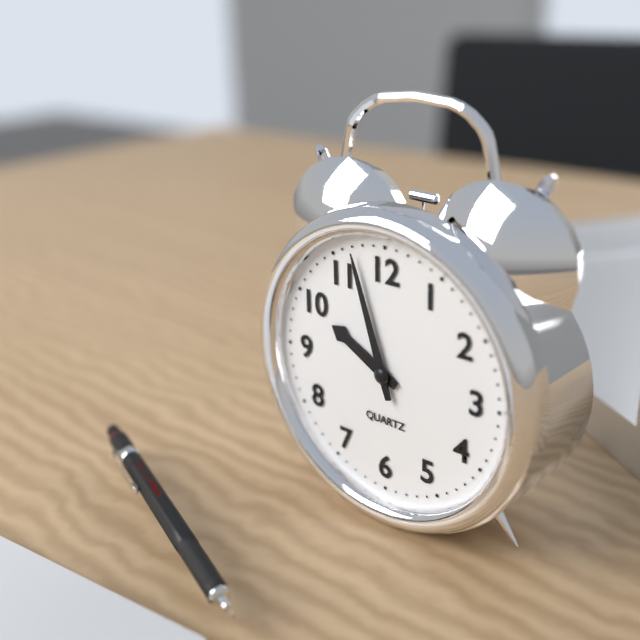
9:57
